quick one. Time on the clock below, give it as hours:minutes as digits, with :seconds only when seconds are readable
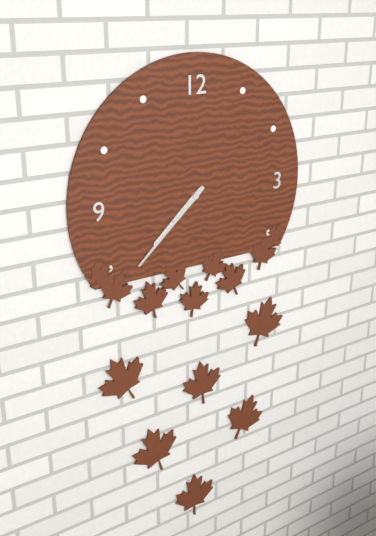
7:38
